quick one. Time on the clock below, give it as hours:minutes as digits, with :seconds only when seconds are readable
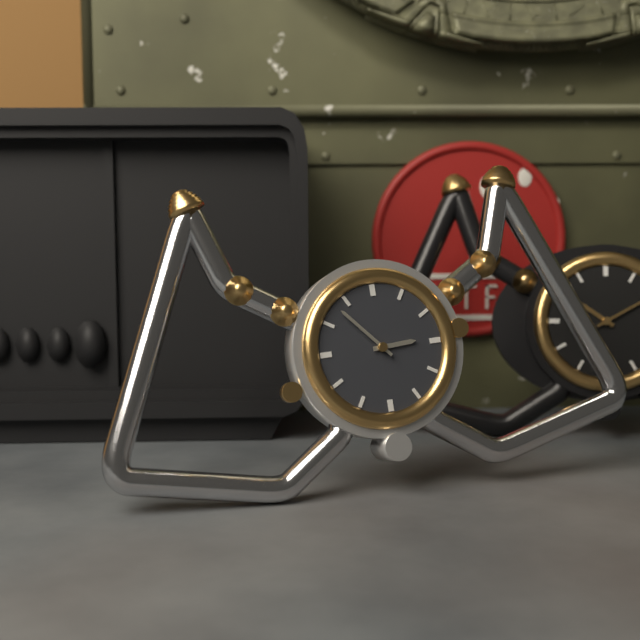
2:53
